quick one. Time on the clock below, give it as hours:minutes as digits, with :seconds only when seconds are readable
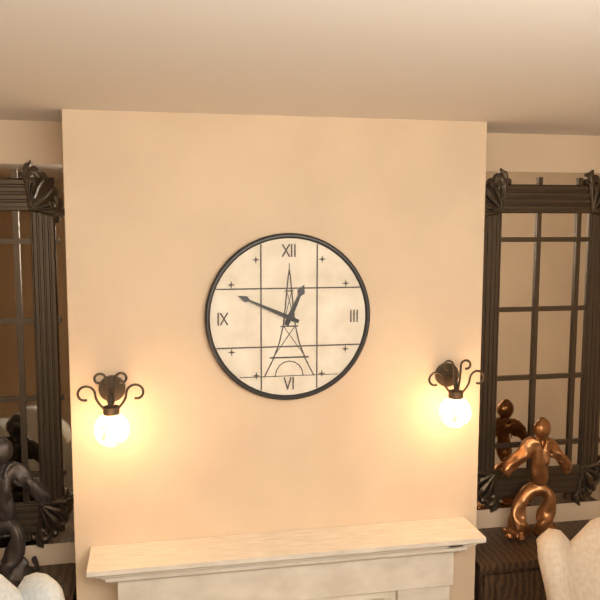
12:49
